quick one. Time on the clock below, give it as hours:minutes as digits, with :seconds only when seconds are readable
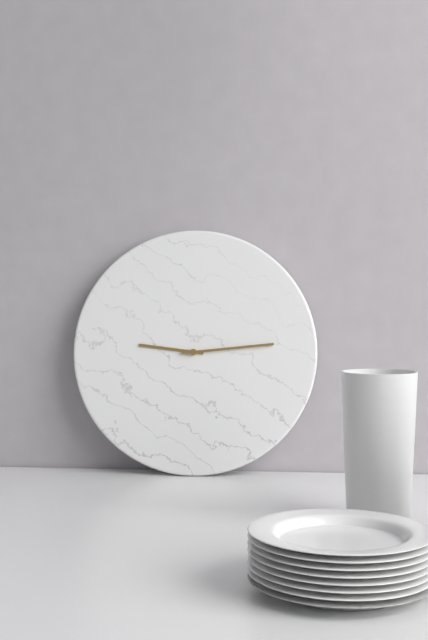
9:14
